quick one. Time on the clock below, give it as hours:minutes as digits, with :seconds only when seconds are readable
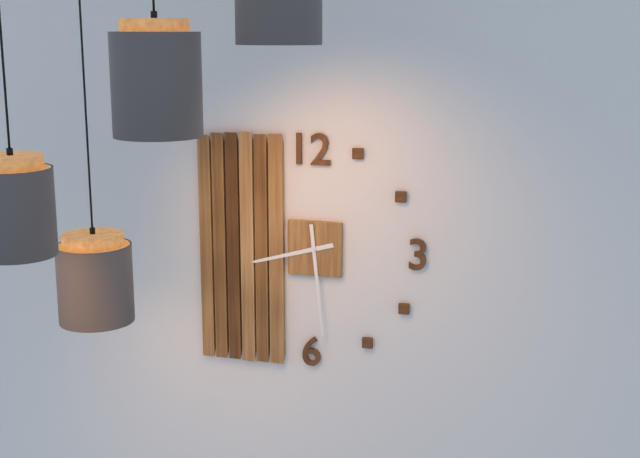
8:29
